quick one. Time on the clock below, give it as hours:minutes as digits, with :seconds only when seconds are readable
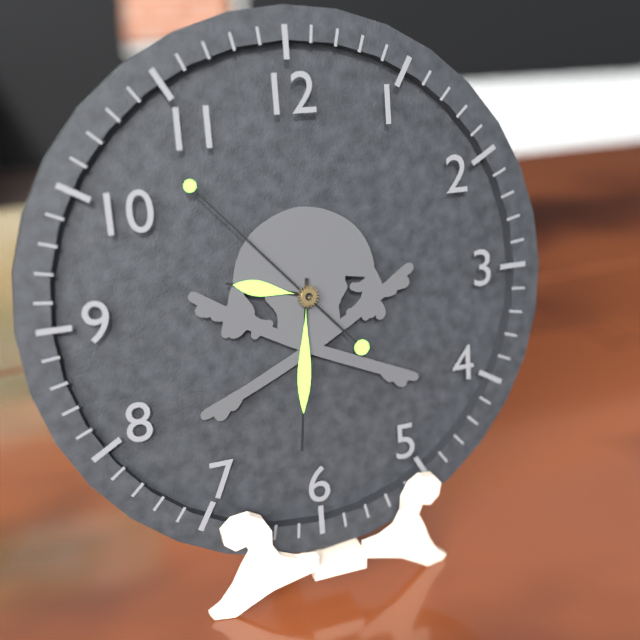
9:31:53
